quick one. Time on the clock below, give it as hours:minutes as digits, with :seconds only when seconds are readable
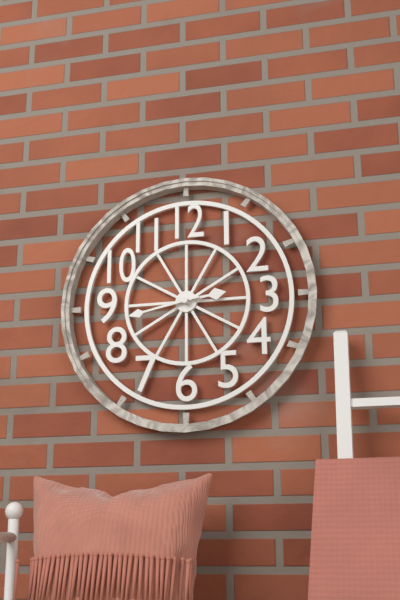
2:43
